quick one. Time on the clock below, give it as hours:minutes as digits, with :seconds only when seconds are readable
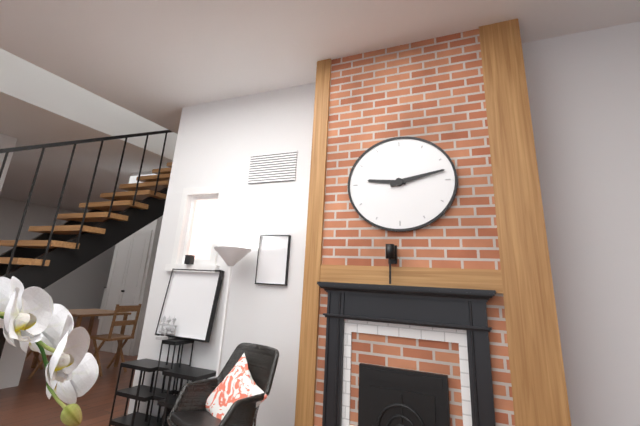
9:13
